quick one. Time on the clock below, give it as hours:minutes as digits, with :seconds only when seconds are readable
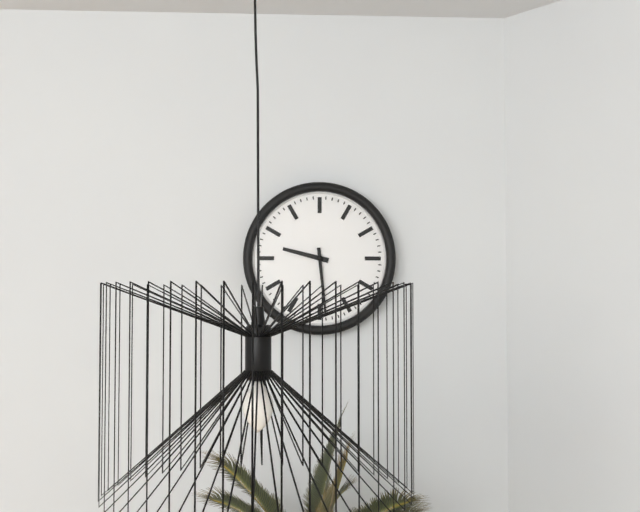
9:29
